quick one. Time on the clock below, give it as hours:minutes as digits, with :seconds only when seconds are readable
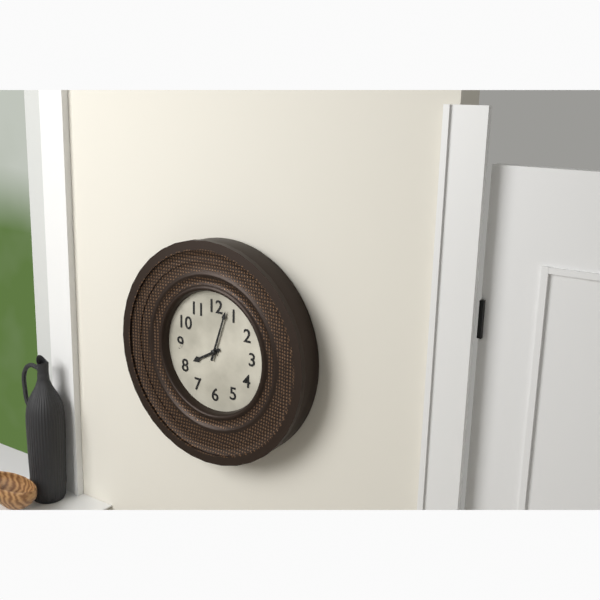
8:03
